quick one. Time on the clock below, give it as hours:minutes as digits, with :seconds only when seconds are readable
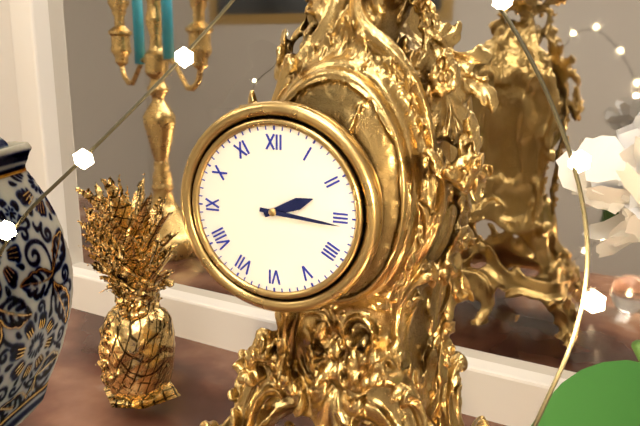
2:16
